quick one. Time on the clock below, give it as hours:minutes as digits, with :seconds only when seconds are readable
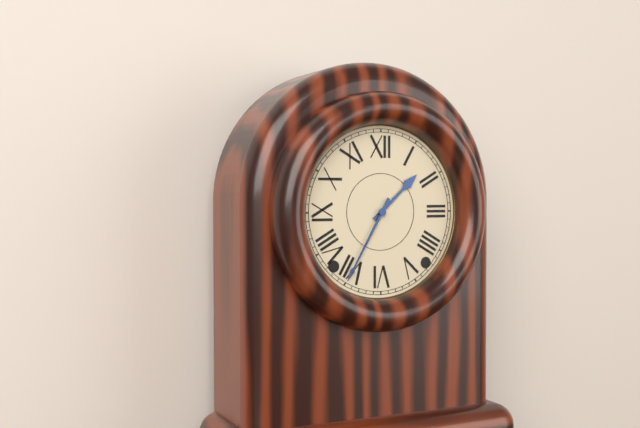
1:35
